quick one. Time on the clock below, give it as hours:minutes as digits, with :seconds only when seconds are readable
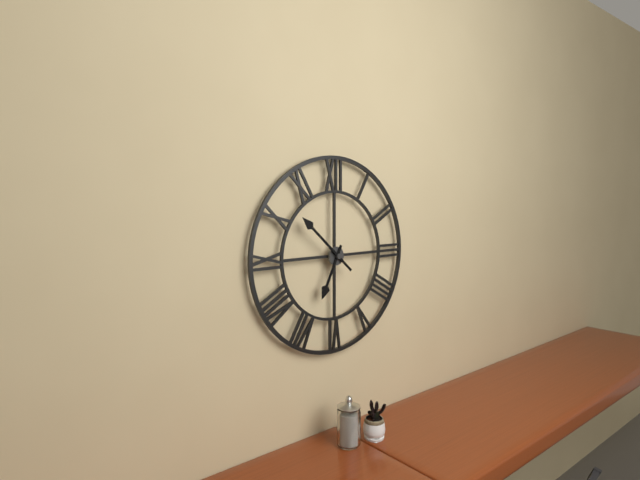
6:52
